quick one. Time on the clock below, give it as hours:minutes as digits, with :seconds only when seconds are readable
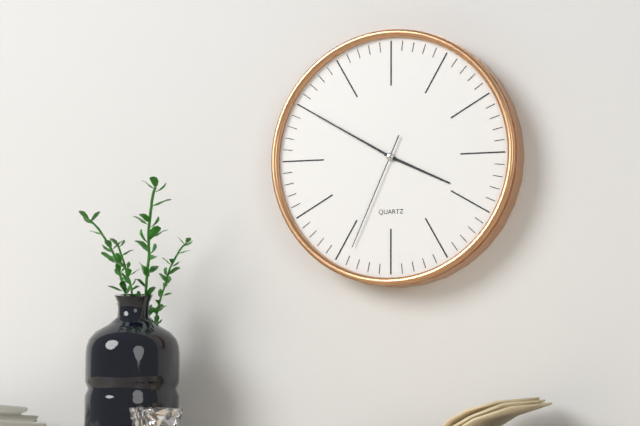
3:50:34
